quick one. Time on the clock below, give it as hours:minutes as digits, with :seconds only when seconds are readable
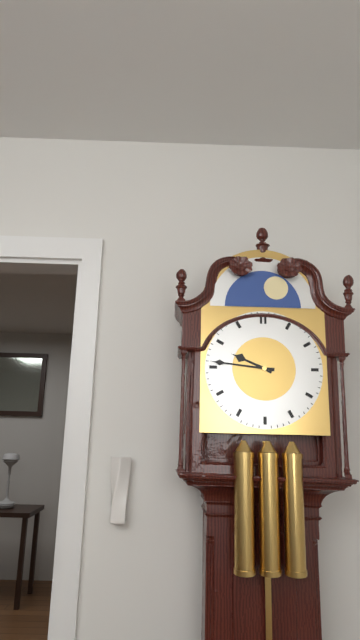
9:46
